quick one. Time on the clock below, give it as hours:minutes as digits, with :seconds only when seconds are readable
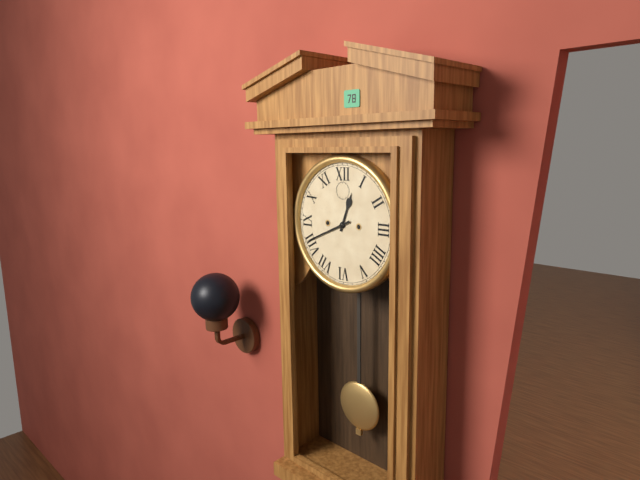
12:41
